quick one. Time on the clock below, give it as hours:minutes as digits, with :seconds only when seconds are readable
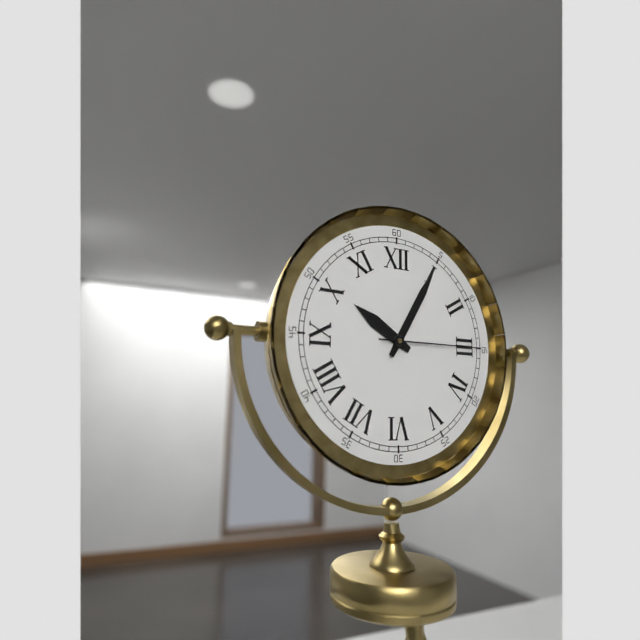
10:05:15
